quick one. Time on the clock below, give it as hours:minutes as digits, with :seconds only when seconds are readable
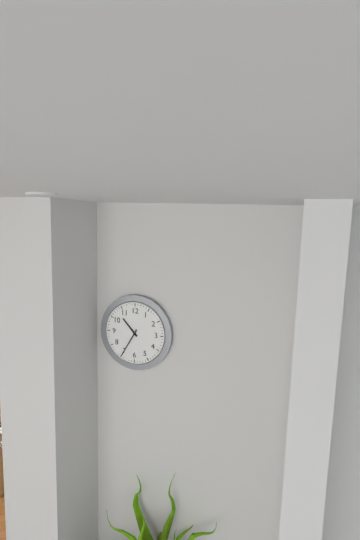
10:35
